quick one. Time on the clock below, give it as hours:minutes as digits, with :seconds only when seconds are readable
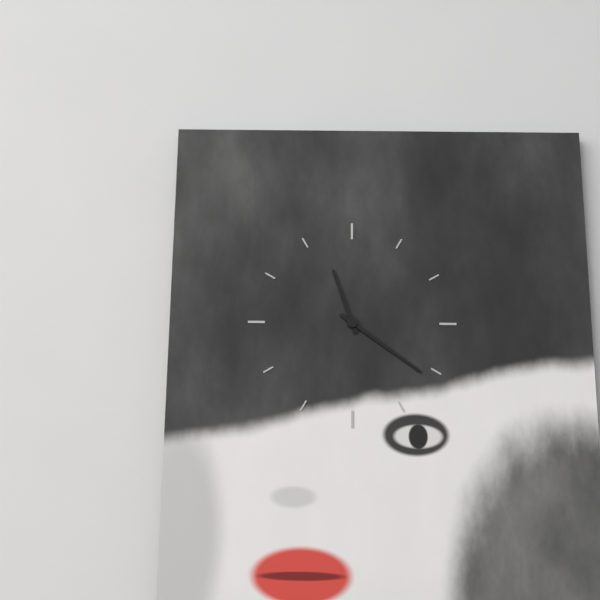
11:21
